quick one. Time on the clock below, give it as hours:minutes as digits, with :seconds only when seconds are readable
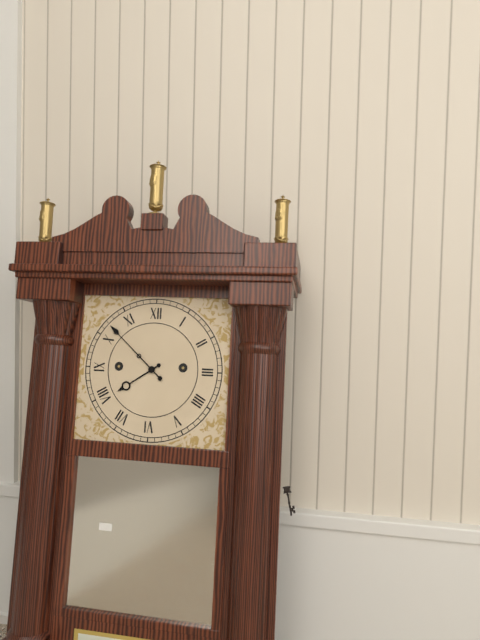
7:52
